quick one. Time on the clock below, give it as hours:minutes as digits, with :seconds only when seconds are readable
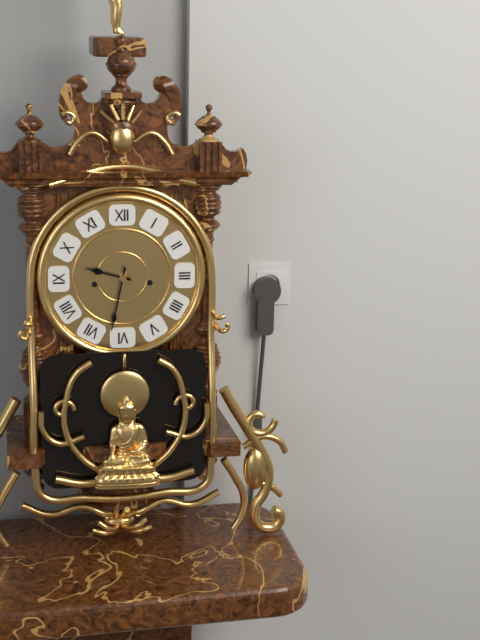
9:32
